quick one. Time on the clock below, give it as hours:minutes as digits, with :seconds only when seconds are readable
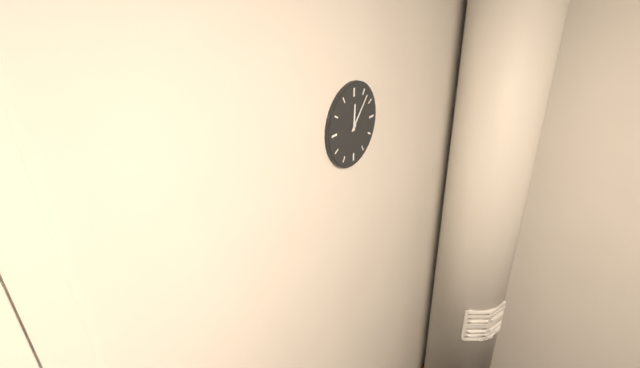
12:07
